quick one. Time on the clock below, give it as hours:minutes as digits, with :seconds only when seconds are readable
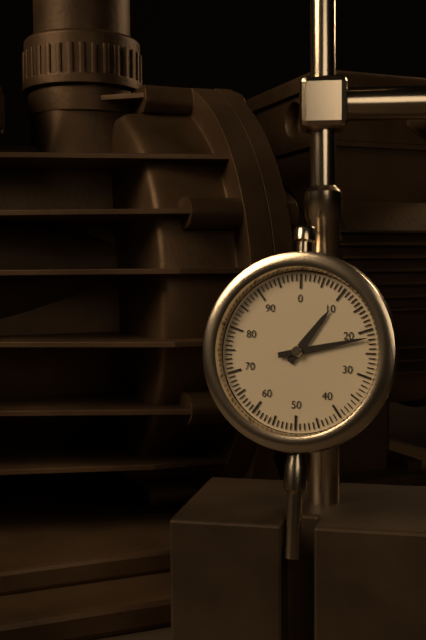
1:13
